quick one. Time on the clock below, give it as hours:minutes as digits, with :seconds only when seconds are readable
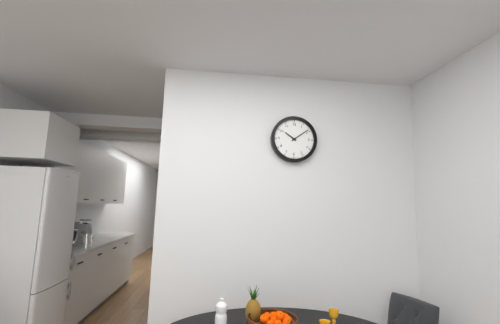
10:09
